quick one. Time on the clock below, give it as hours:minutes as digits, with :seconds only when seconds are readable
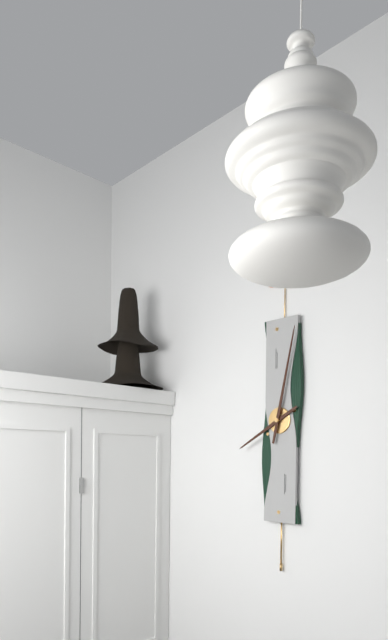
8:02
